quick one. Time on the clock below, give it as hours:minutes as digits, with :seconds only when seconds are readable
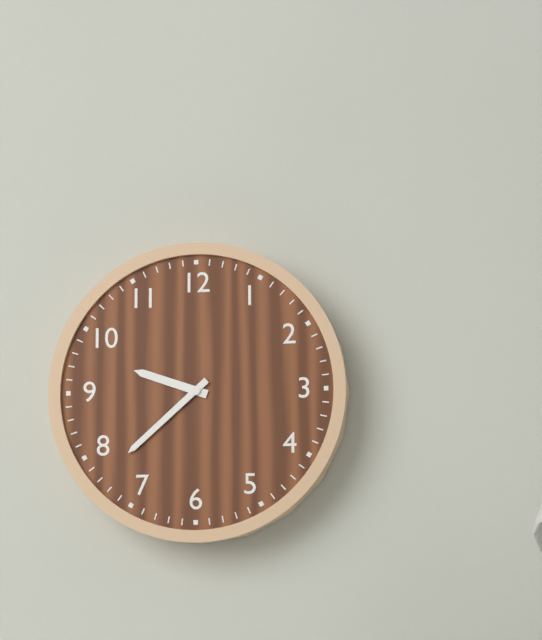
9:38
